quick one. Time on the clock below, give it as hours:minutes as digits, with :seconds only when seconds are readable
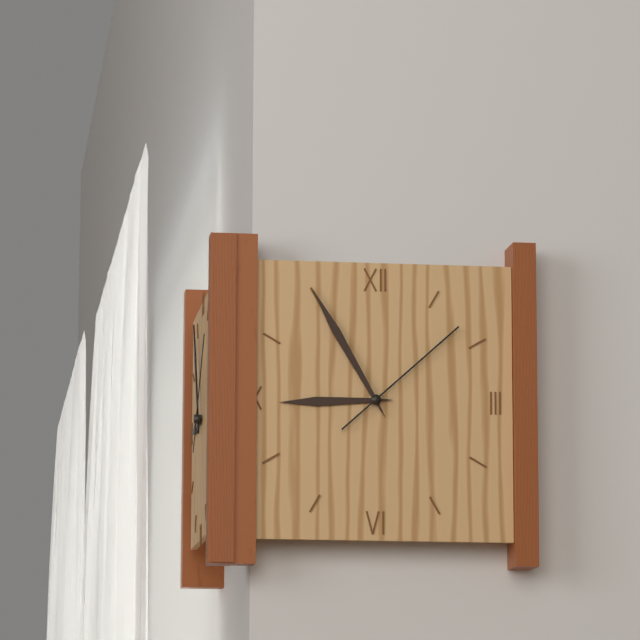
8:55:08
